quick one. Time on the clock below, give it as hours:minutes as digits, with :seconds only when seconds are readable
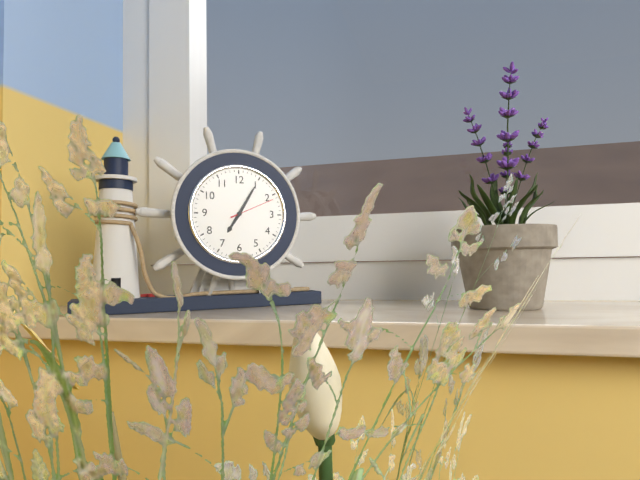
7:05
